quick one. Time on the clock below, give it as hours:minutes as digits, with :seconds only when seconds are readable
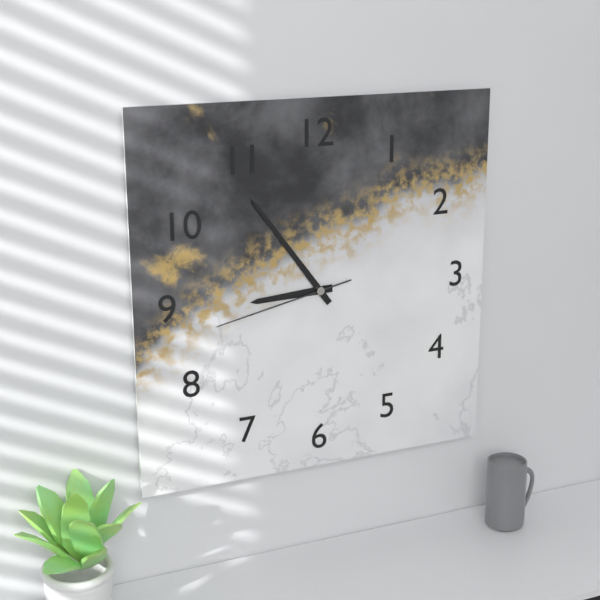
8:54:43
